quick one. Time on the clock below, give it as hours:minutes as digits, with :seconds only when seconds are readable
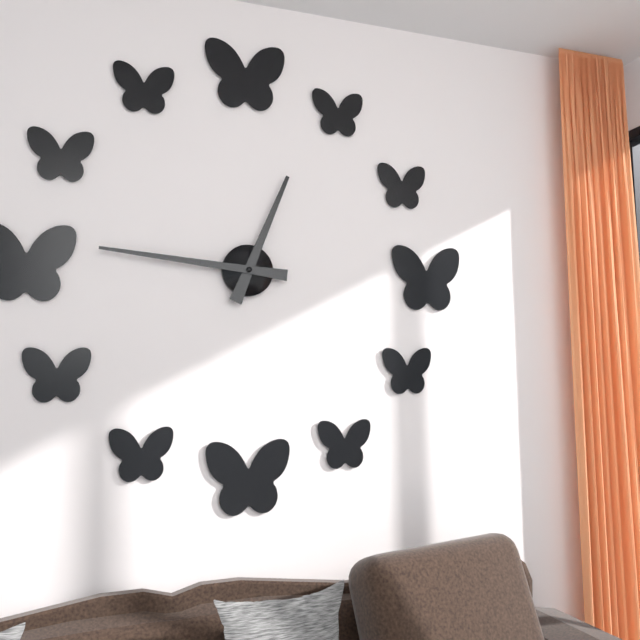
12:46
